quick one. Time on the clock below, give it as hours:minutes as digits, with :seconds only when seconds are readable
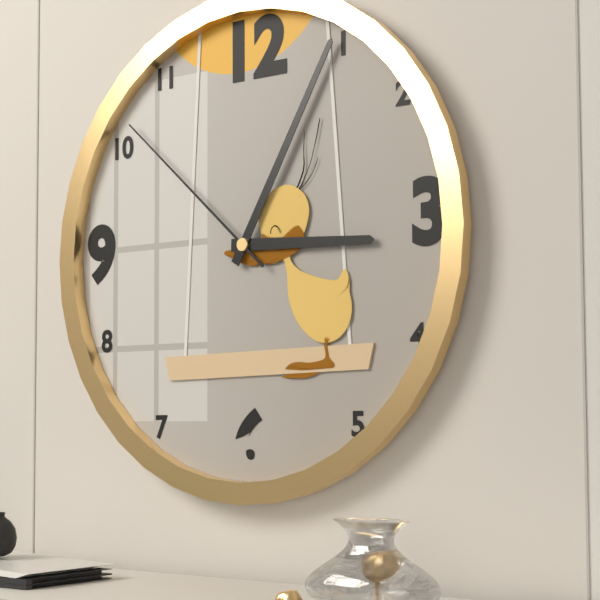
3:05:52
